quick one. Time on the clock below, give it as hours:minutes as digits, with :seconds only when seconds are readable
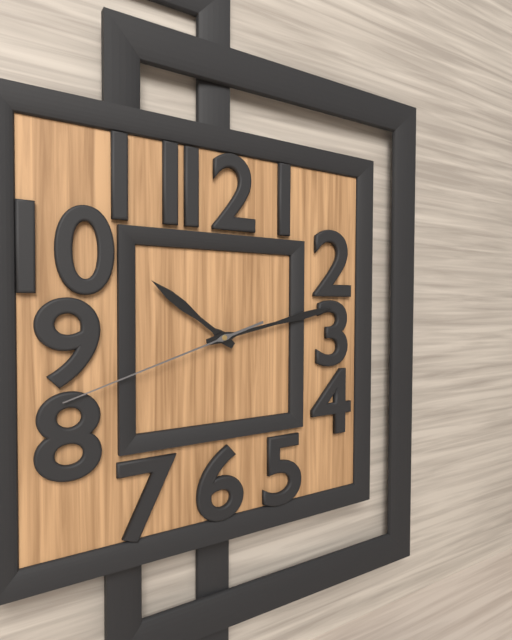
10:13:42
